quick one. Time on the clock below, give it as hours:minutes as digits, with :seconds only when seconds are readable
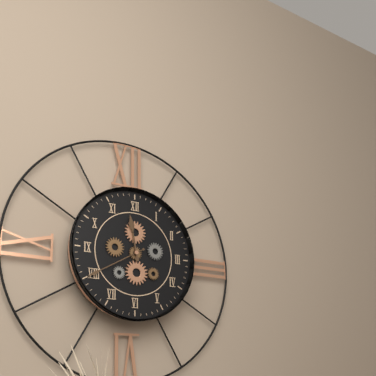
11:40
